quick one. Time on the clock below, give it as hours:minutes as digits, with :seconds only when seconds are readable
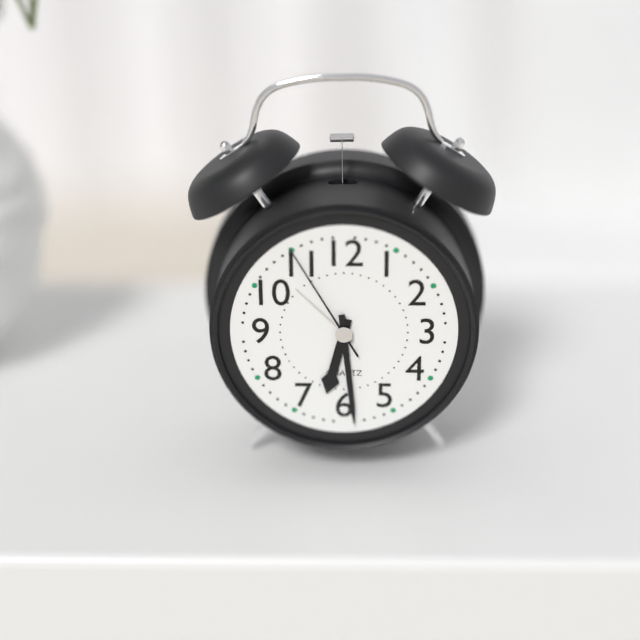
6:29:55
